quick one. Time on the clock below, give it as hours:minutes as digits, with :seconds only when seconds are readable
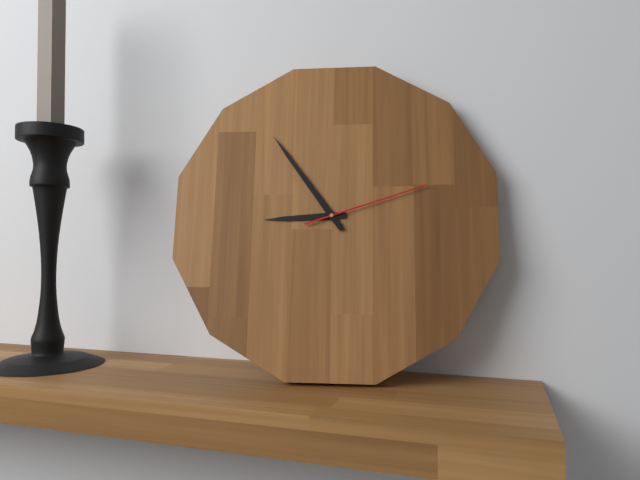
8:54:12
